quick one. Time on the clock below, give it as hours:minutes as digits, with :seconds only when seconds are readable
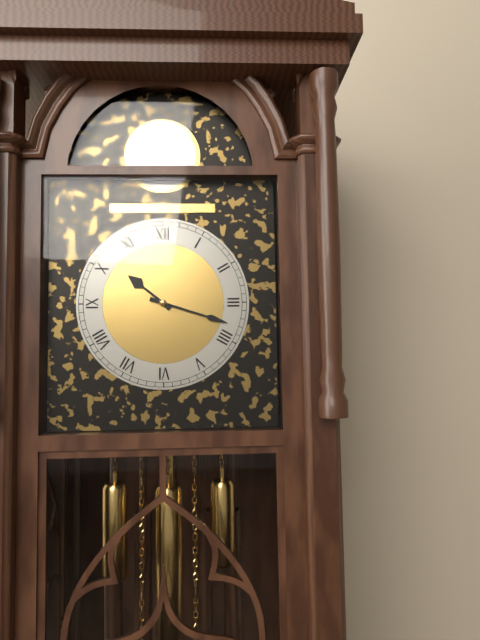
10:18
